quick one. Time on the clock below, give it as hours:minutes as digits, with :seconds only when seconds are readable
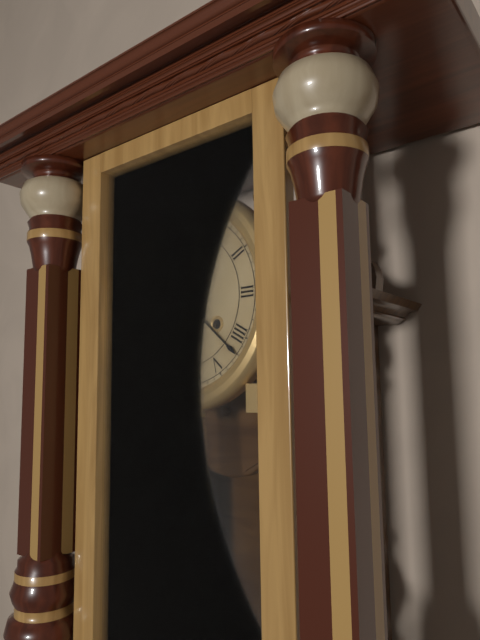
6:22
